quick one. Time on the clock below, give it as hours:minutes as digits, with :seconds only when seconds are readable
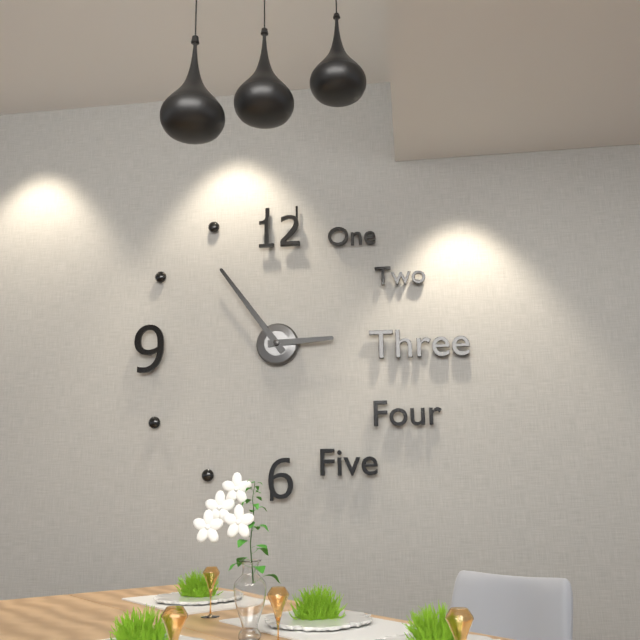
2:54
